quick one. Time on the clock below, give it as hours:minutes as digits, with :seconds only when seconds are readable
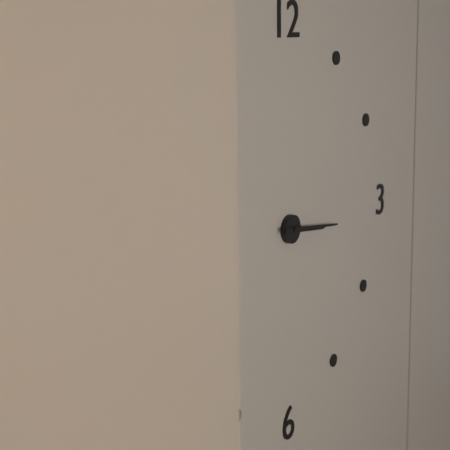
3:16
